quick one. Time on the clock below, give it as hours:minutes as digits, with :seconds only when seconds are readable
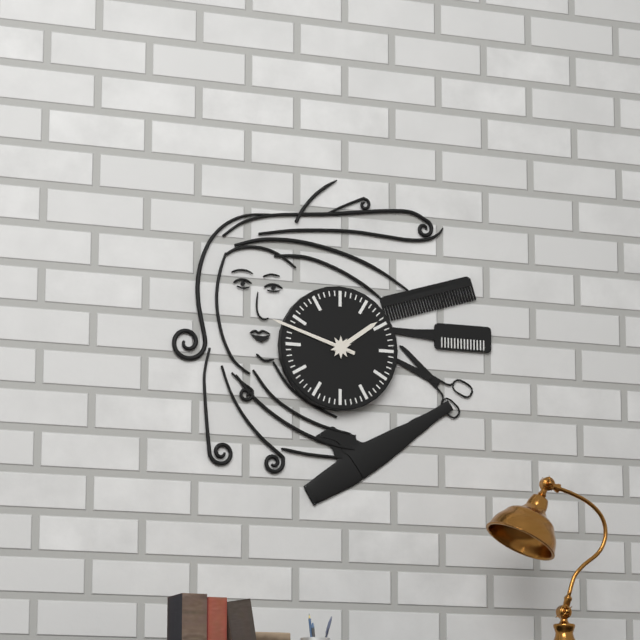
1:48
